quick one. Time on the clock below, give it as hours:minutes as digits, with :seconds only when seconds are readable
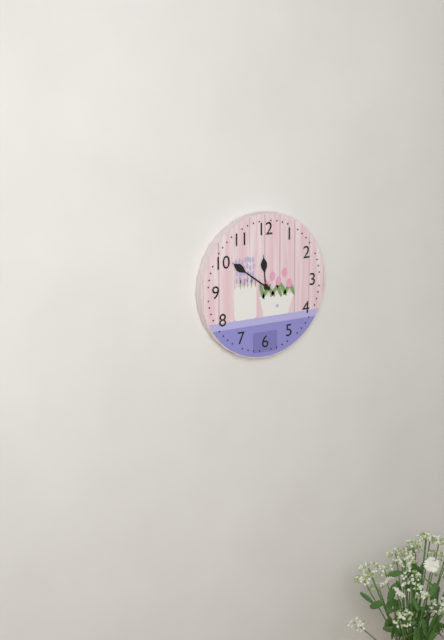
11:51
